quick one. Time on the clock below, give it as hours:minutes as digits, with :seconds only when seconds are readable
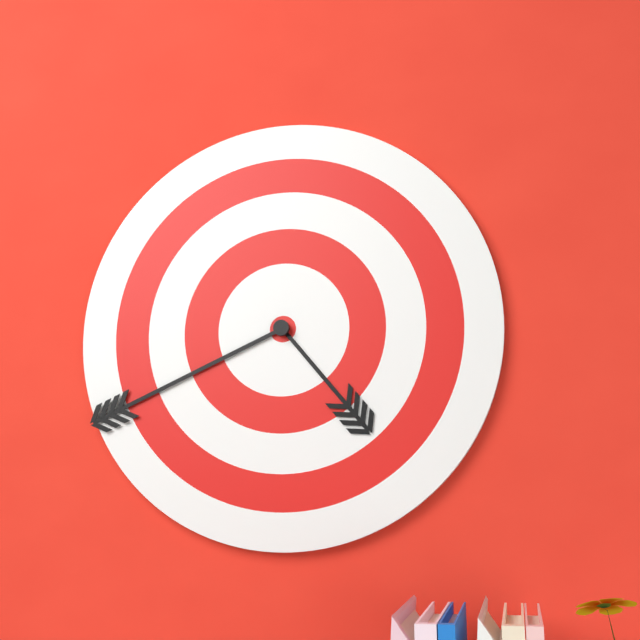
4:41
